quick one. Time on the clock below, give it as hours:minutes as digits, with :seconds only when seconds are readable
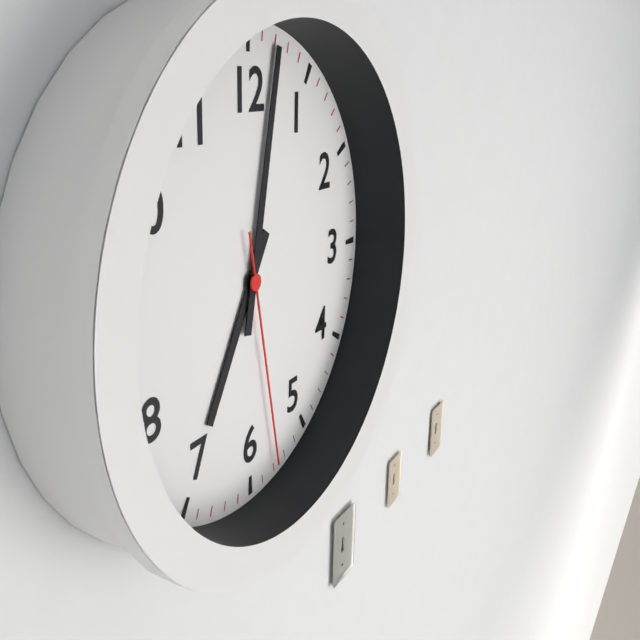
7:02:28
